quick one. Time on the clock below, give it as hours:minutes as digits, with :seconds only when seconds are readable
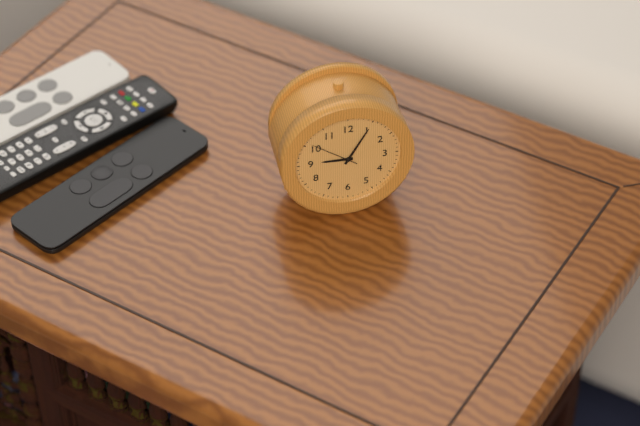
9:05
